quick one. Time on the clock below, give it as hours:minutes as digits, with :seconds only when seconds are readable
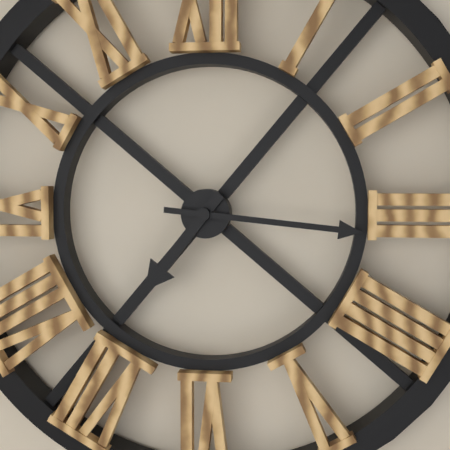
7:16
